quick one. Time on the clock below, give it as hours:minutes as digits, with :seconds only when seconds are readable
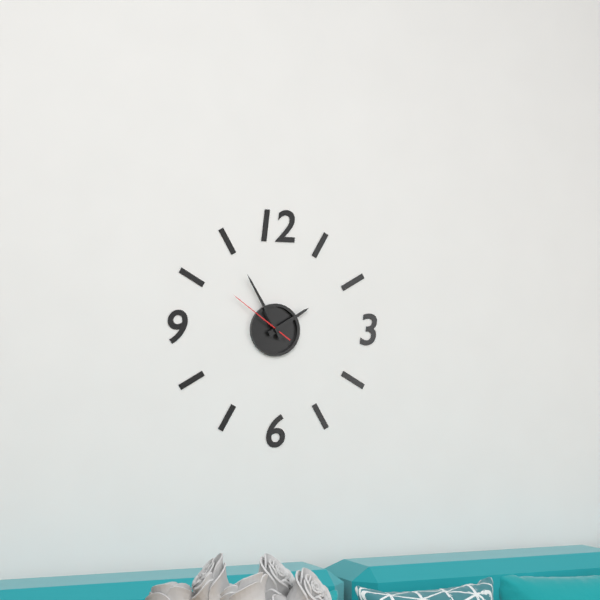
1:55:51
